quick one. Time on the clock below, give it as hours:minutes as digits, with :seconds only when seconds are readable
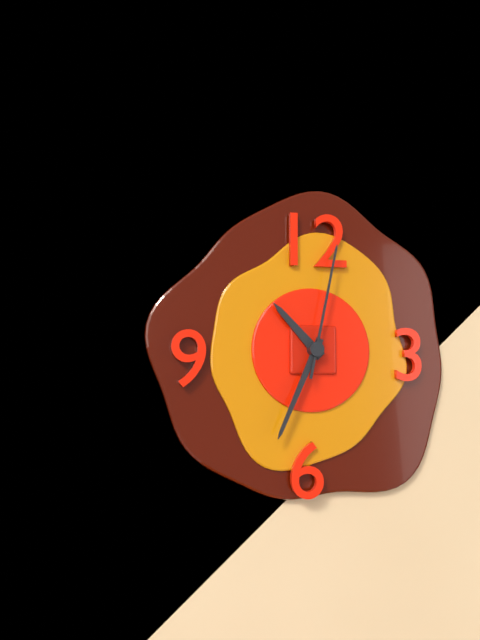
10:34:02
